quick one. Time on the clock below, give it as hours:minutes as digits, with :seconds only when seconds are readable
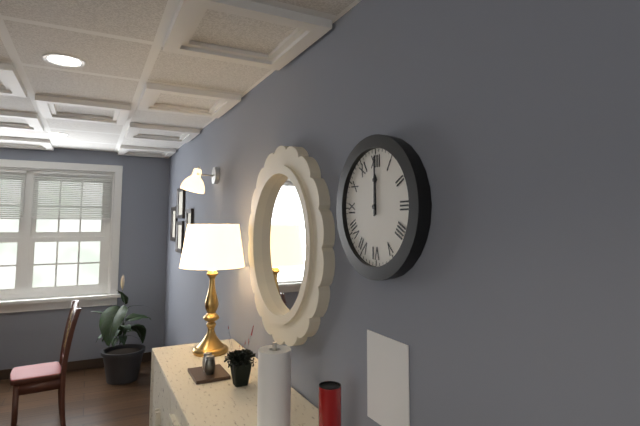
12:00
